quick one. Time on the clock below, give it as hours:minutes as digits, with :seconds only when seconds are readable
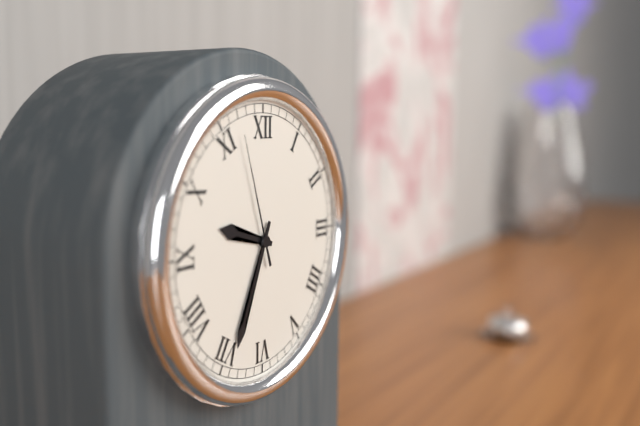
9:34:57
